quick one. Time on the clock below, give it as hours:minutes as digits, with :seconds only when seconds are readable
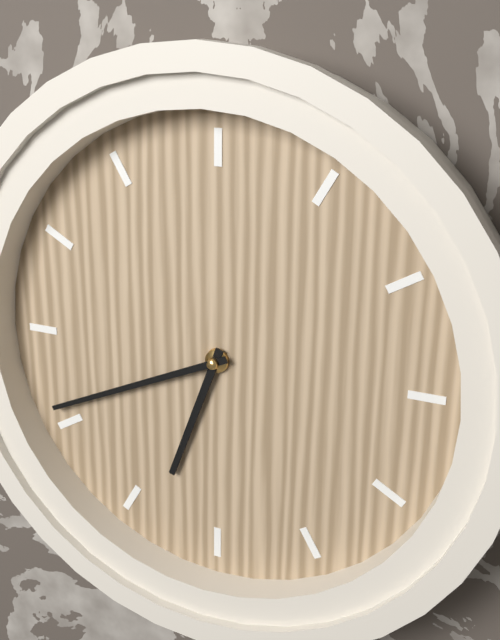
6:41
